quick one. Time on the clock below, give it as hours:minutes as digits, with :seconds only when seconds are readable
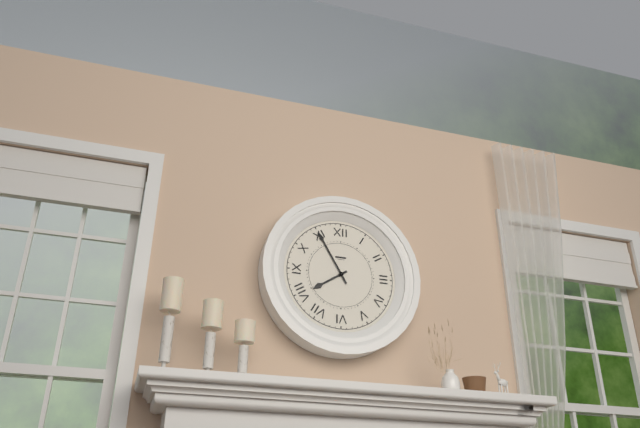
7:55
